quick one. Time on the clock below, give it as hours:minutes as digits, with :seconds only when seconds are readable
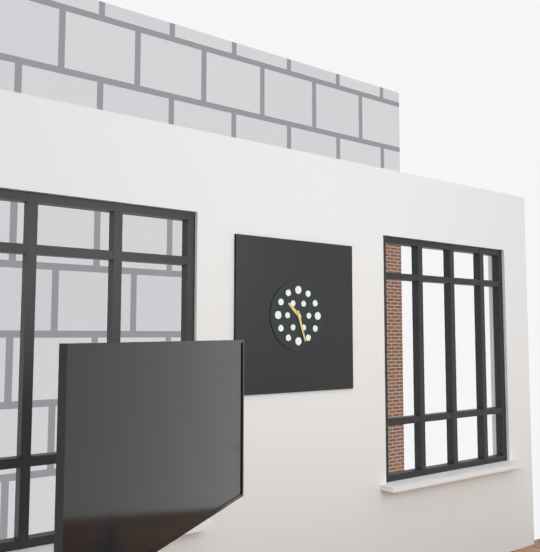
10:27
